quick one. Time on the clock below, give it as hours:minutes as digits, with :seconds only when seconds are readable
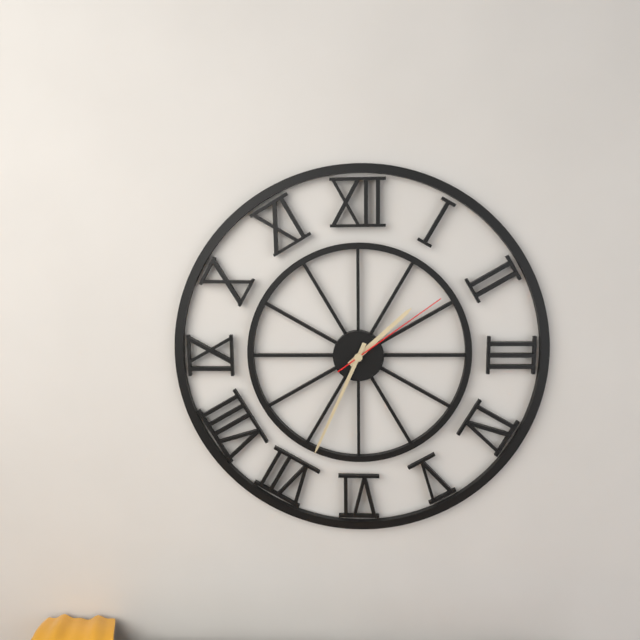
1:34:09
